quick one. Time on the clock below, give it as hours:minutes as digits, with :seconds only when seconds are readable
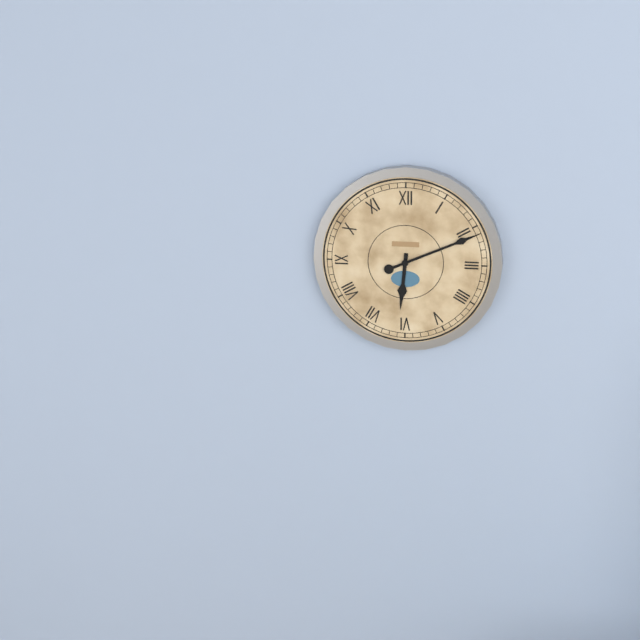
6:11
